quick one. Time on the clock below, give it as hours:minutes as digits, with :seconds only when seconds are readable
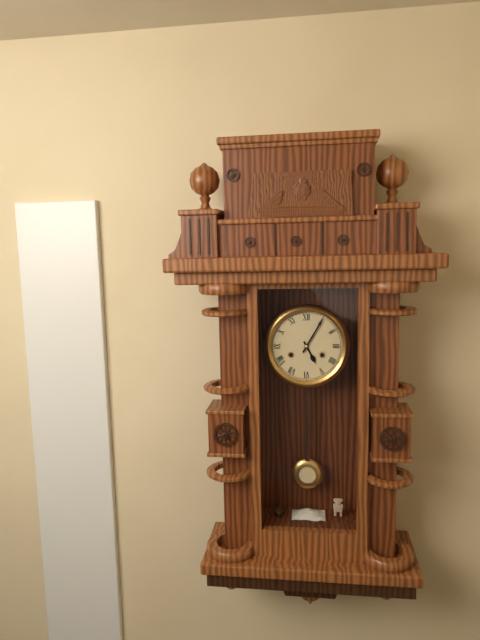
5:05
